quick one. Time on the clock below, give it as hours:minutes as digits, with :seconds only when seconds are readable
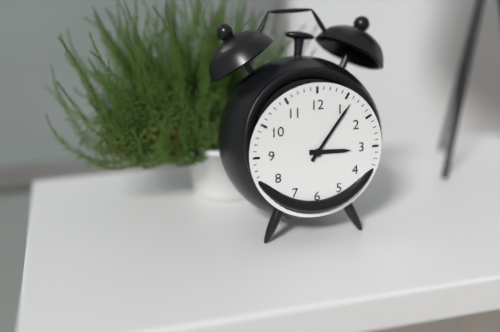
3:06
